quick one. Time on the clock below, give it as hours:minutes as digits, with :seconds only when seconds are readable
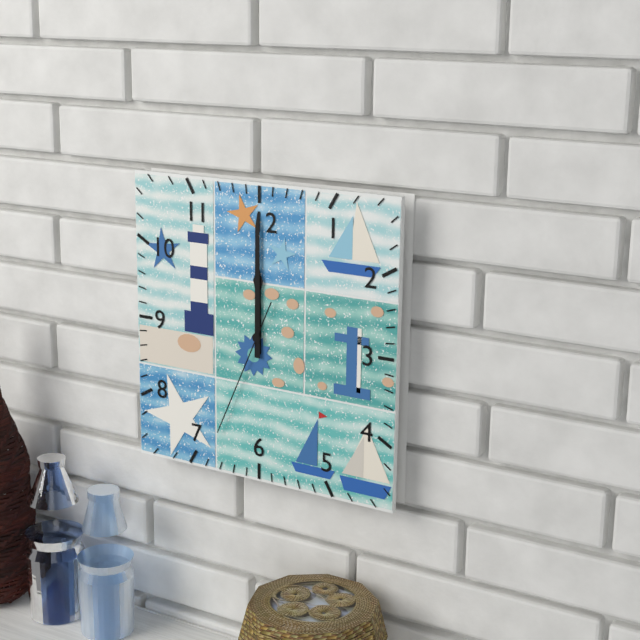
12:00:34
